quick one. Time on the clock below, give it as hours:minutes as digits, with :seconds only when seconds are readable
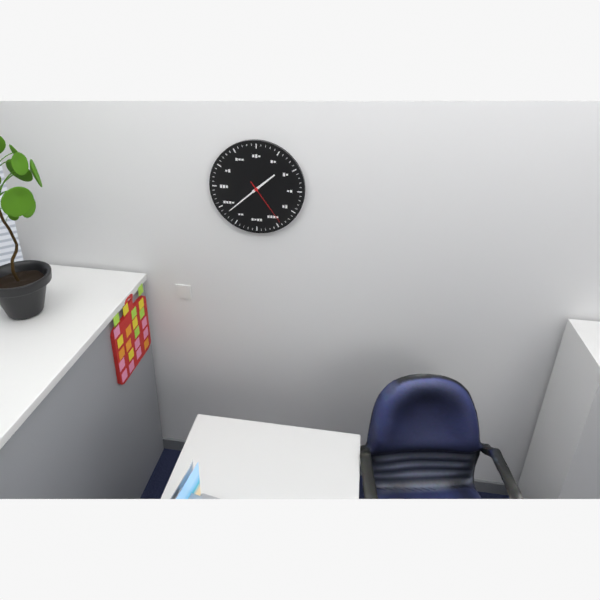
1:38:24
